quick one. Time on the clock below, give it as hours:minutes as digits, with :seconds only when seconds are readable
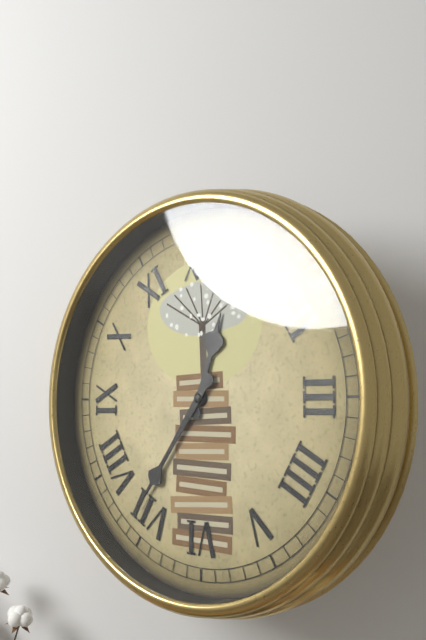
12:36
